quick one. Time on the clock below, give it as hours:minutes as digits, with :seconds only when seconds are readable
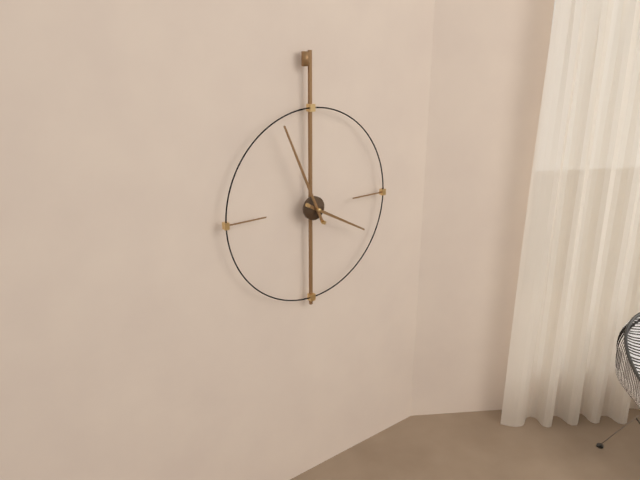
3:56
